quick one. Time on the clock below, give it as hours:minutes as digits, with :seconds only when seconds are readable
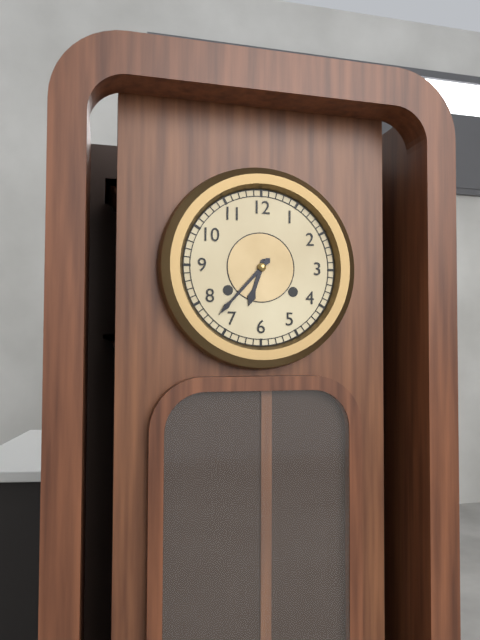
6:37
